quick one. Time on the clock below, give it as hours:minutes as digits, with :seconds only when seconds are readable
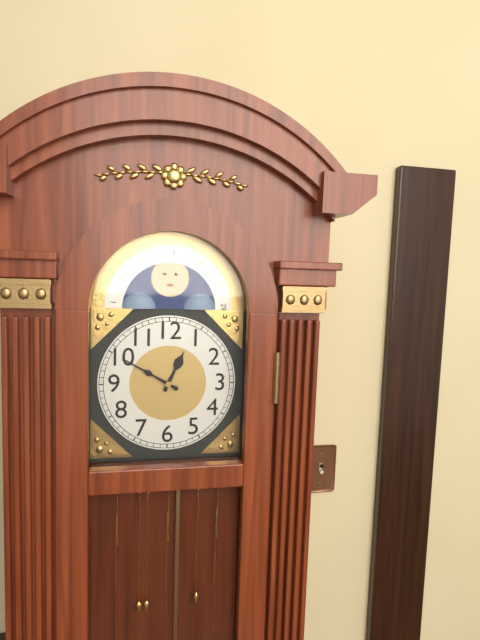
12:50
